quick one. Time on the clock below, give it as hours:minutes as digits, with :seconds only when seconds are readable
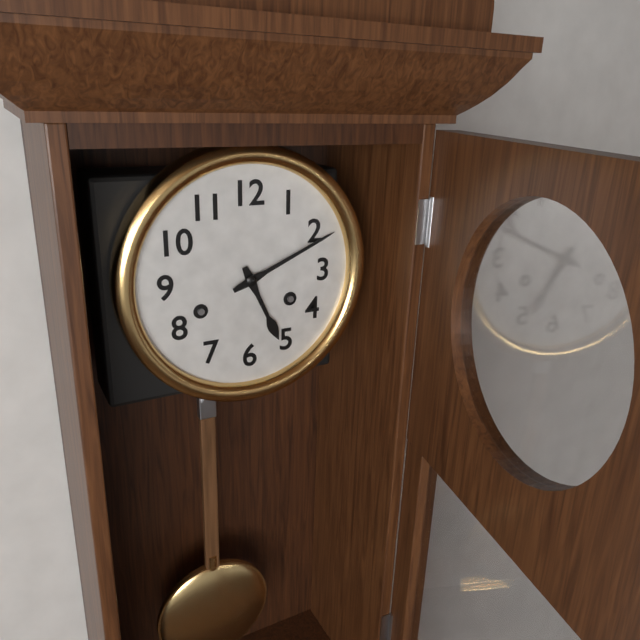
5:11
